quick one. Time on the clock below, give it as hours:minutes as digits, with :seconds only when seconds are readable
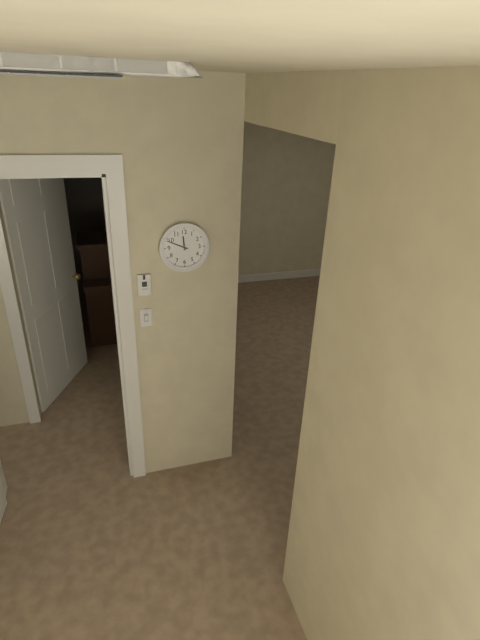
11:49
